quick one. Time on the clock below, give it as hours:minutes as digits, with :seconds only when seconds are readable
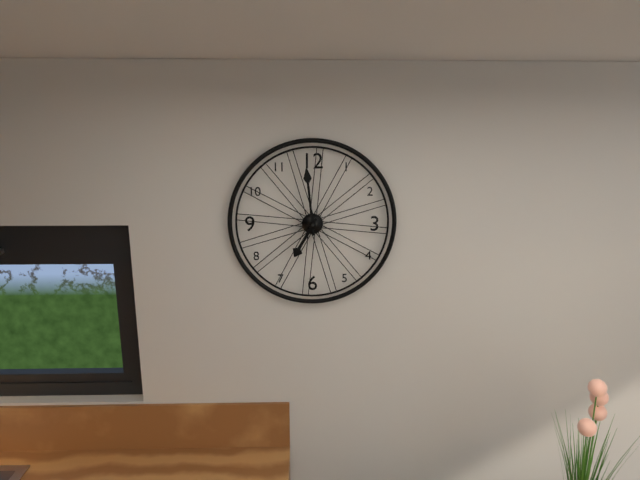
6:59
